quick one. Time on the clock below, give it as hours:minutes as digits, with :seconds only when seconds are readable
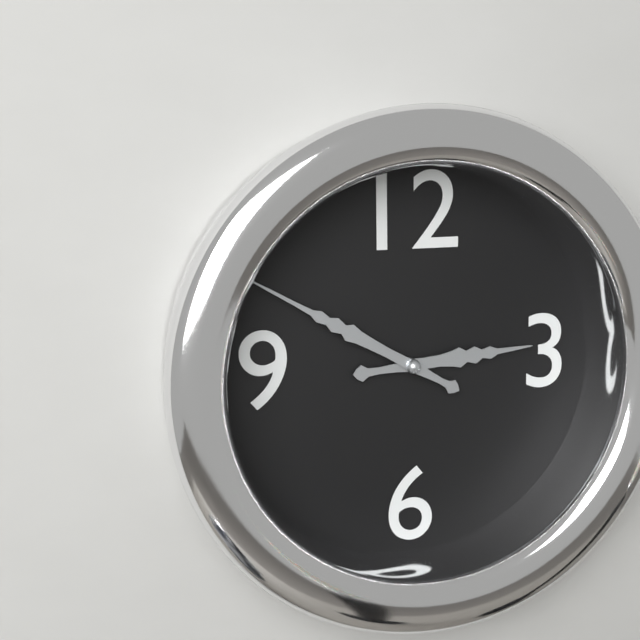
2:50
